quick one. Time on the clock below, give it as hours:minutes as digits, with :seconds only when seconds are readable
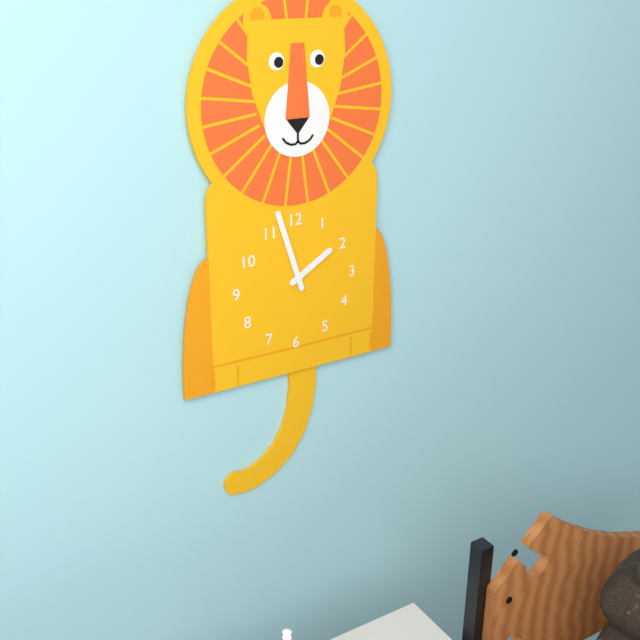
1:57
